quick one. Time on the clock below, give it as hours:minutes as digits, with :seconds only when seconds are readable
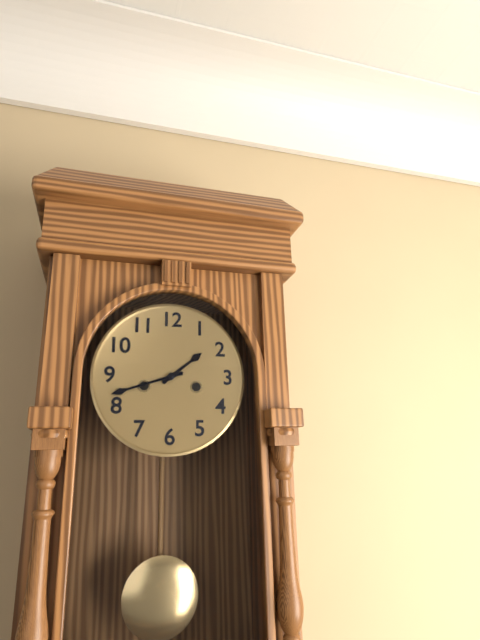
1:42
